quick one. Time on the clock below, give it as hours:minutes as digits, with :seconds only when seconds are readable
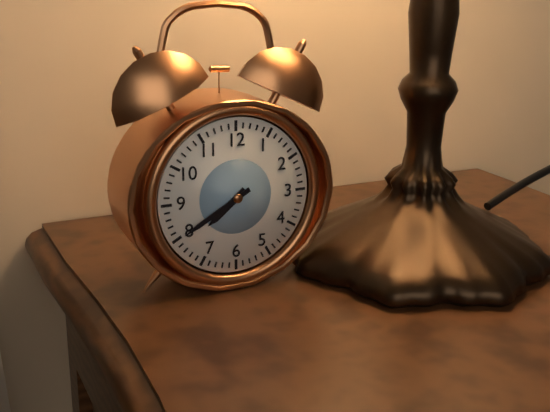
7:40
